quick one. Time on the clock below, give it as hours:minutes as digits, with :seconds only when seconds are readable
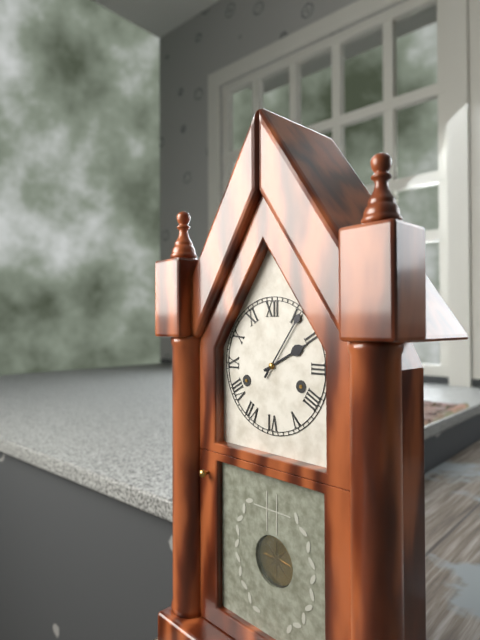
2:06
